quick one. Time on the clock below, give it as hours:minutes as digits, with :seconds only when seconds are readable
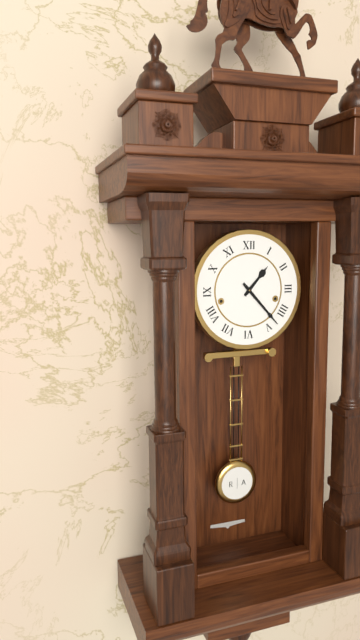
1:23
